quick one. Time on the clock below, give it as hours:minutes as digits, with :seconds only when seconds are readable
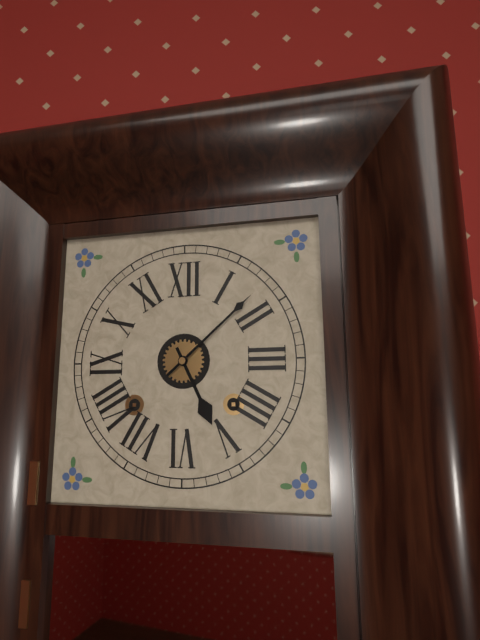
5:08
